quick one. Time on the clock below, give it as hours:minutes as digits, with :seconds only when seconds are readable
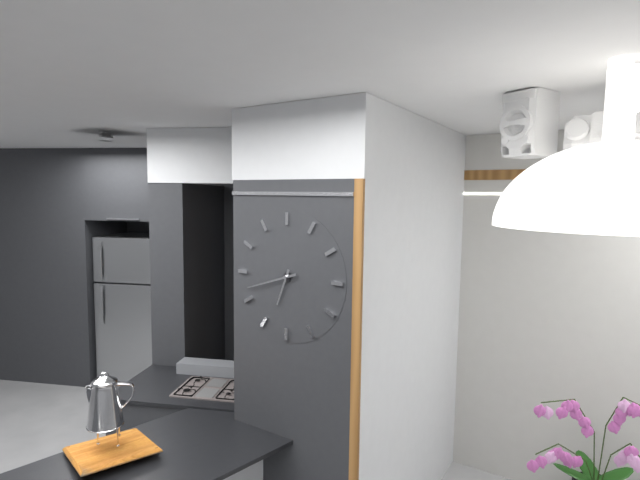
6:42
